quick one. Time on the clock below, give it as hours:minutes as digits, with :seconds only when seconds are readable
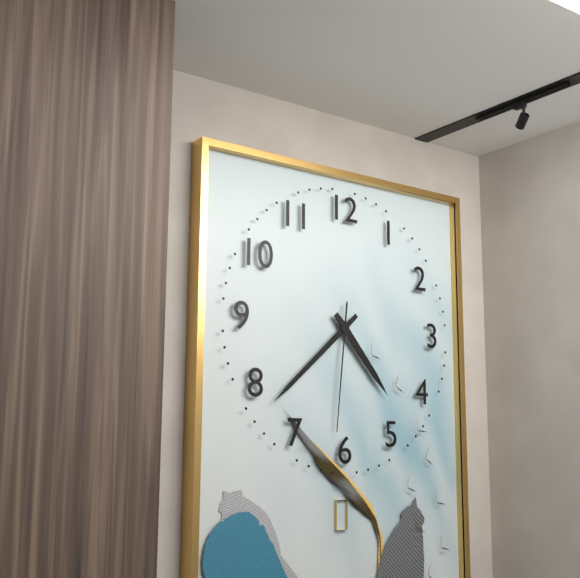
4:38:31
